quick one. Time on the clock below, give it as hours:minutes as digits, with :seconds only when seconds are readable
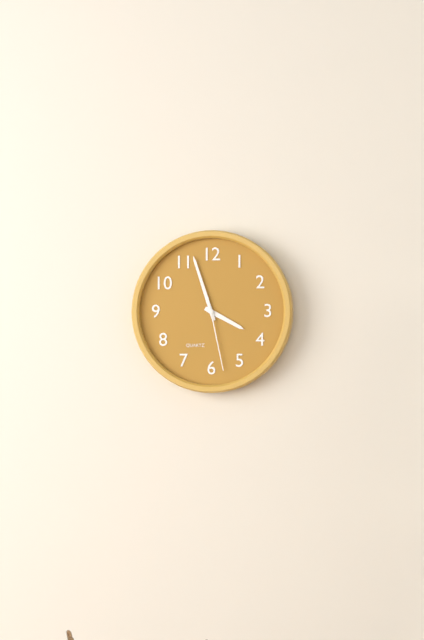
3:57:28
